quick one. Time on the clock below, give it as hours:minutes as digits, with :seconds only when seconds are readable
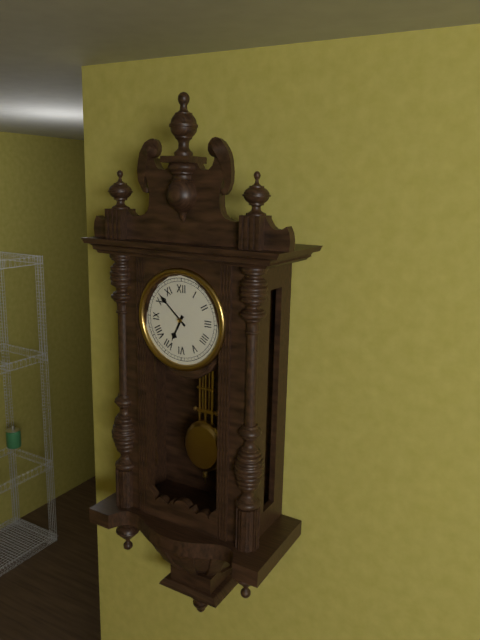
6:52
